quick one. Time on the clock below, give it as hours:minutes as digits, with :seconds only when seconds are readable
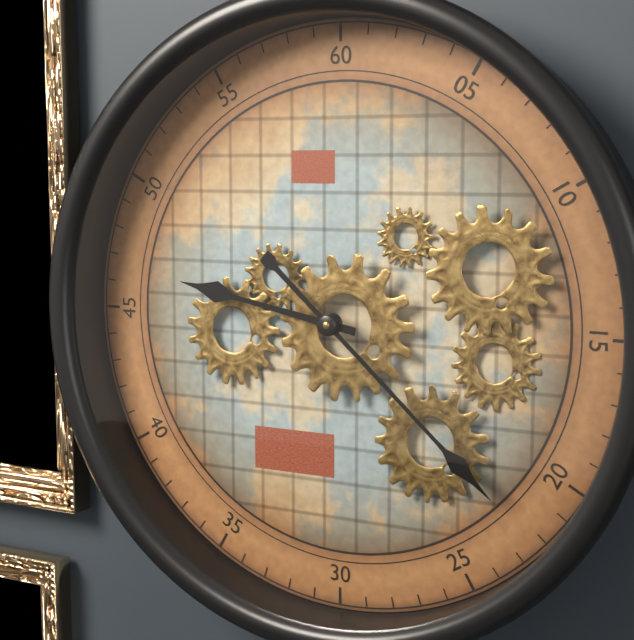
9:22
